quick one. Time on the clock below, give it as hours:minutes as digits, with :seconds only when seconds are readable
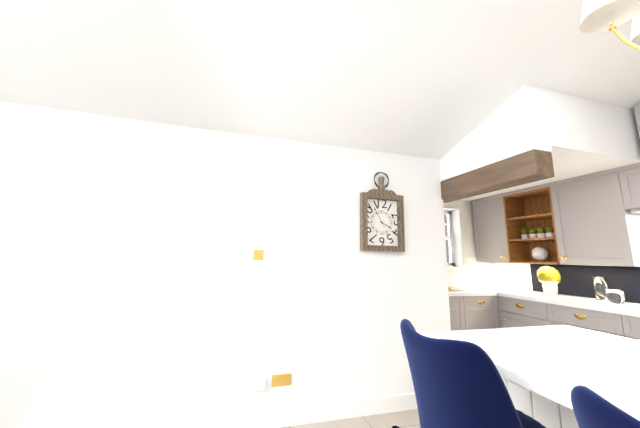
3:55
